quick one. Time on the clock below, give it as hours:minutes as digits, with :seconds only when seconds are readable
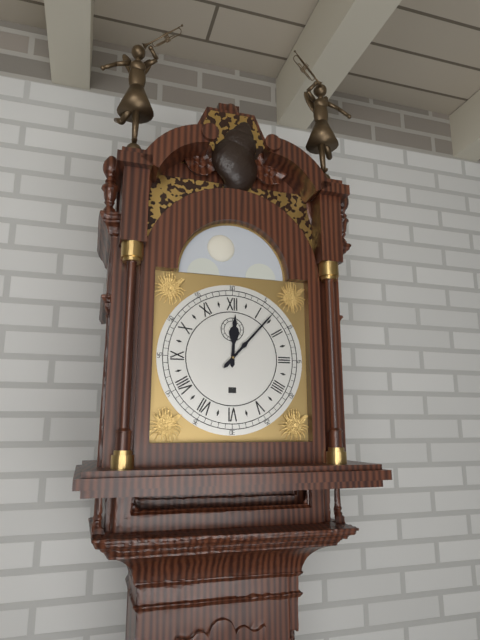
12:07
